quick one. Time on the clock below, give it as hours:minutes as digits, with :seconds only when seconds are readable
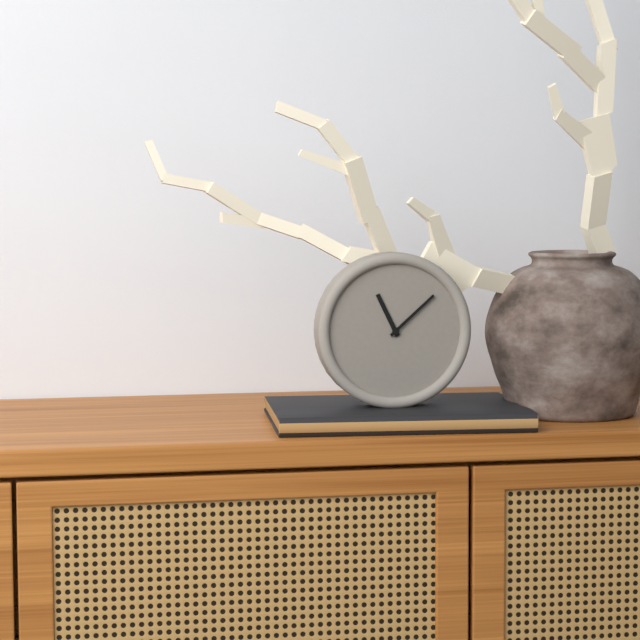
11:08
